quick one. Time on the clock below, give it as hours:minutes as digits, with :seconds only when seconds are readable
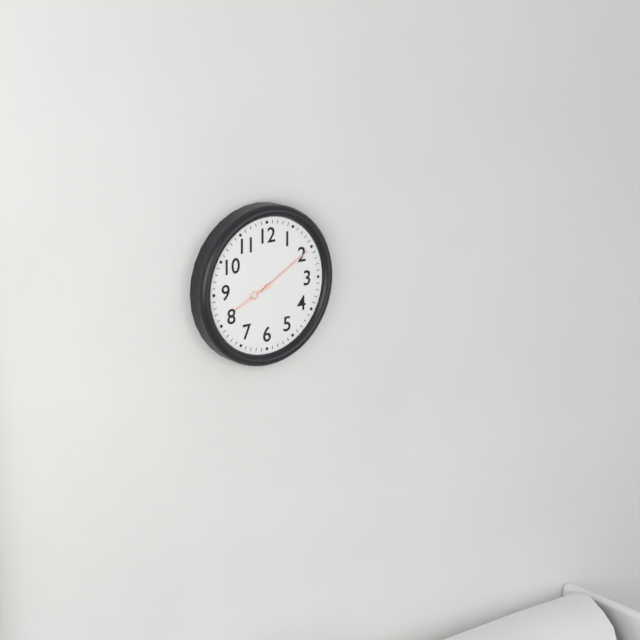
8:10
